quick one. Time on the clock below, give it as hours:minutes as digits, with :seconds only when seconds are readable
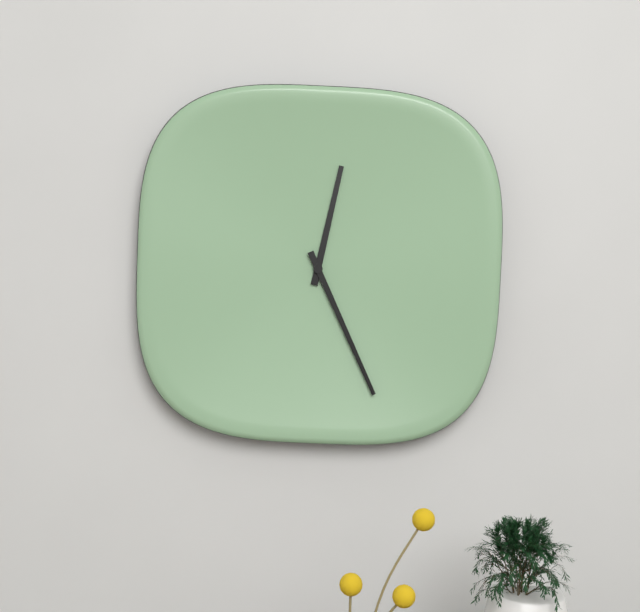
12:26
